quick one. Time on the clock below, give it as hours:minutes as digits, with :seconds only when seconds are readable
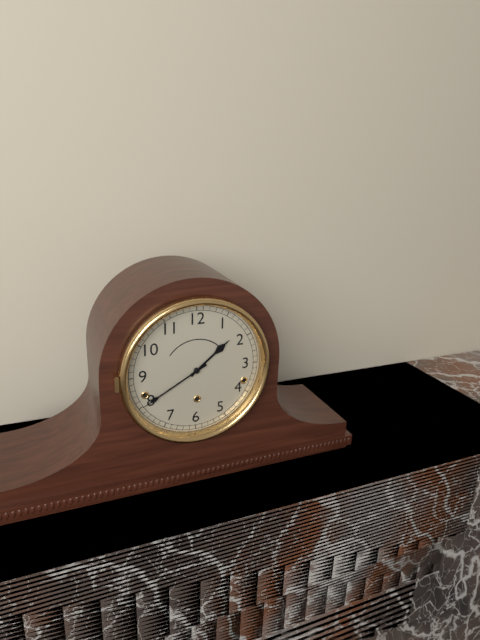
1:40
